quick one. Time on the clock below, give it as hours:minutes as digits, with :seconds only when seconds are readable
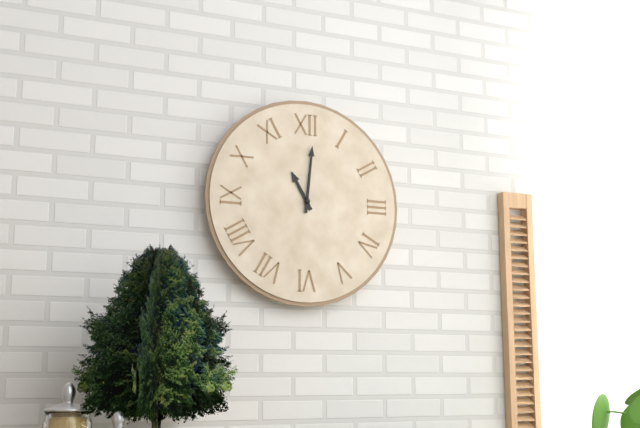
11:01
